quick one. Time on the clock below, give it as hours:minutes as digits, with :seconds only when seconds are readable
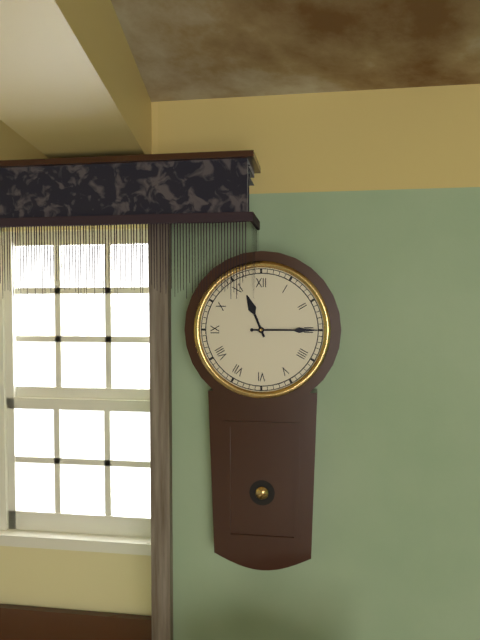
11:15
